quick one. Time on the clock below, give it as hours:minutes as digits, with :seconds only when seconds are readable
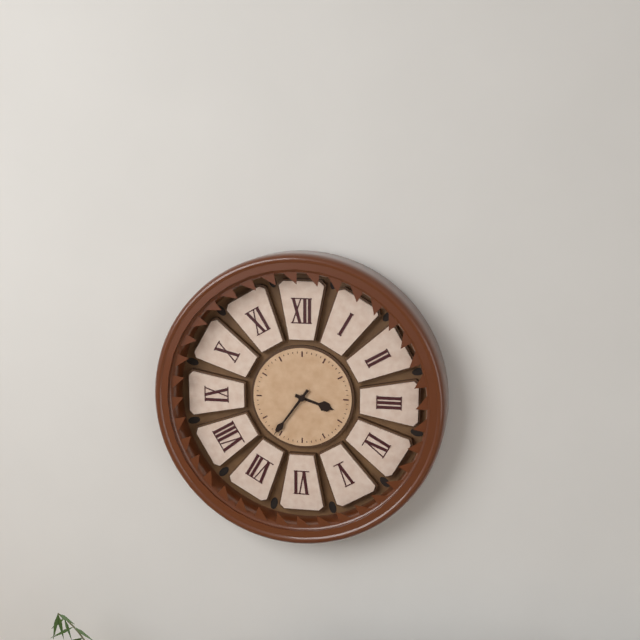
3:36
